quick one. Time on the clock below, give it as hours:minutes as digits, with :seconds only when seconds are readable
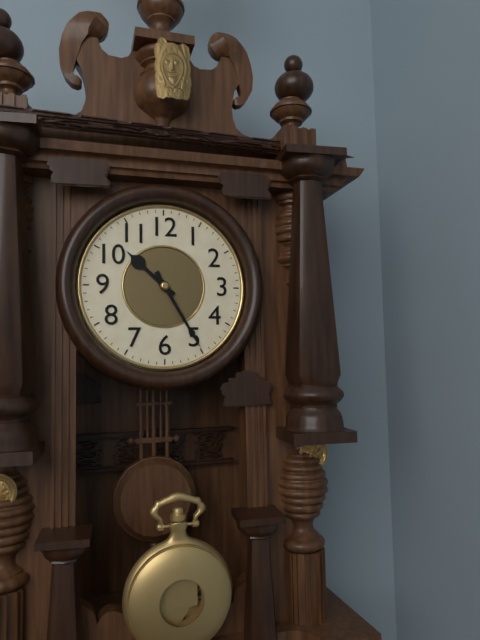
10:25
